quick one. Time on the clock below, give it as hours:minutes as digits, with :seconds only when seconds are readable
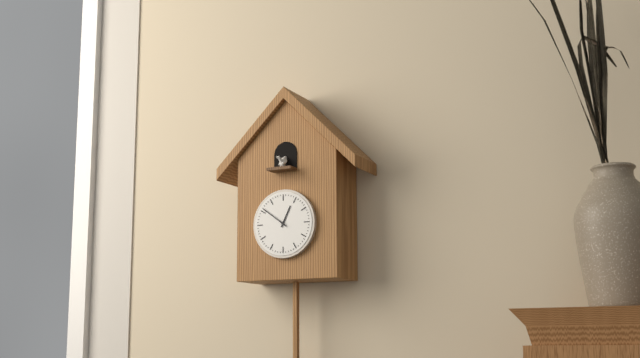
12:51
